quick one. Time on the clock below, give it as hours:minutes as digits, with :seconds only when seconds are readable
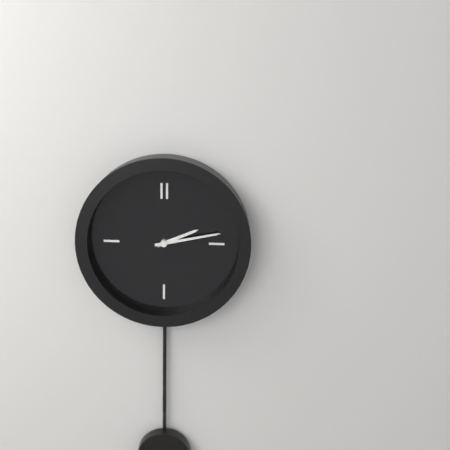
2:13
